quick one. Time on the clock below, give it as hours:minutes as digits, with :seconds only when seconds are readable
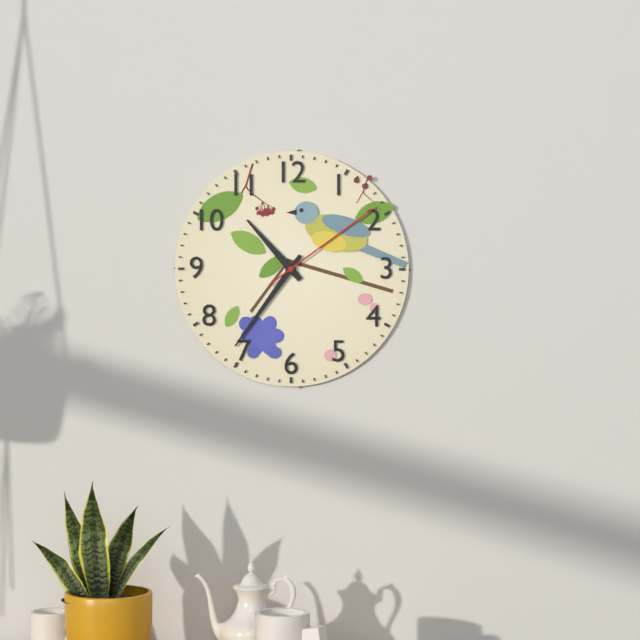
10:36:09
